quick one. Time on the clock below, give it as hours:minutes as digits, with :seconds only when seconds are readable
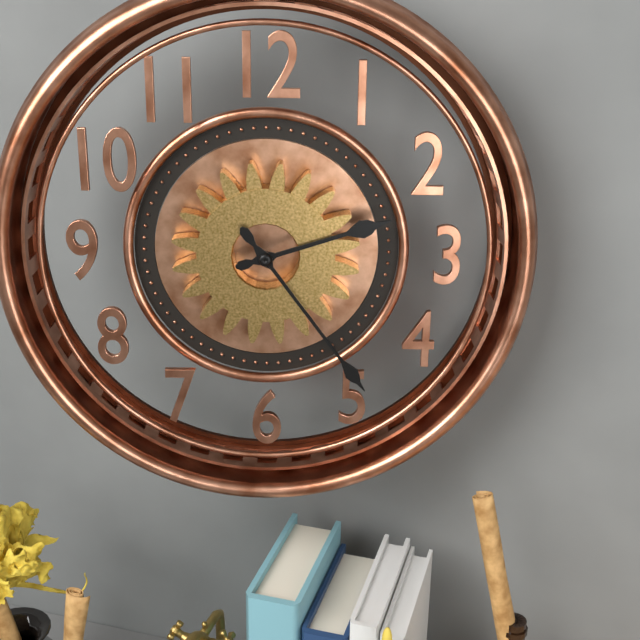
2:24
